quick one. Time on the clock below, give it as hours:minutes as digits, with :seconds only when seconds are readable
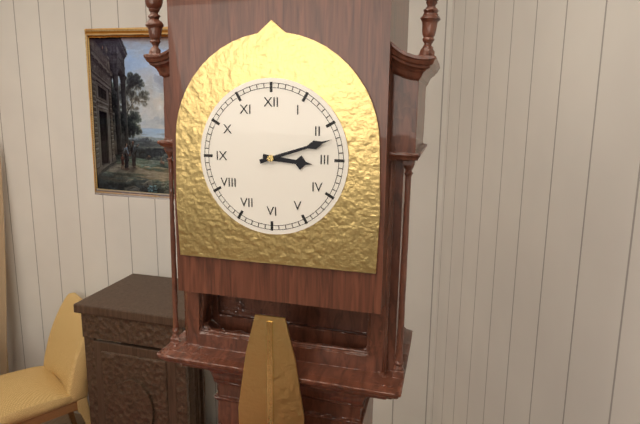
3:12
